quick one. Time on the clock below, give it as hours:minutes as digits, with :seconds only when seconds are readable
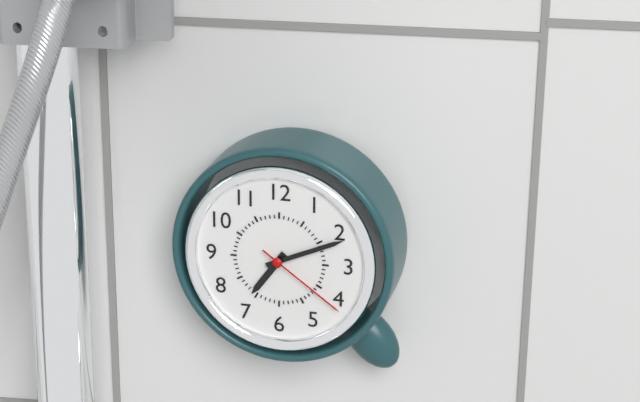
7:11:21
